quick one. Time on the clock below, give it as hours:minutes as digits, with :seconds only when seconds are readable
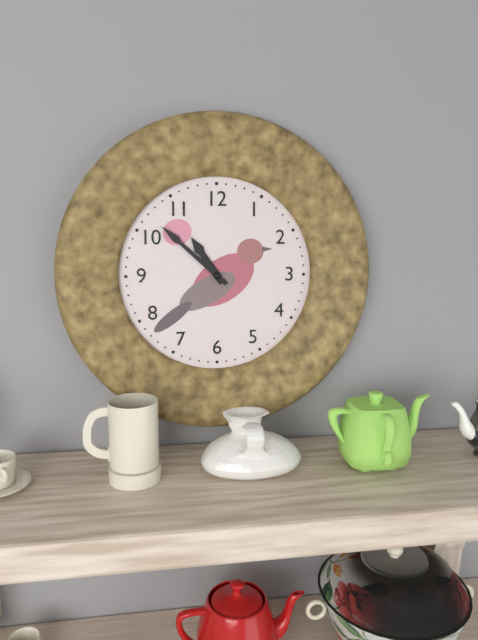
10:52
